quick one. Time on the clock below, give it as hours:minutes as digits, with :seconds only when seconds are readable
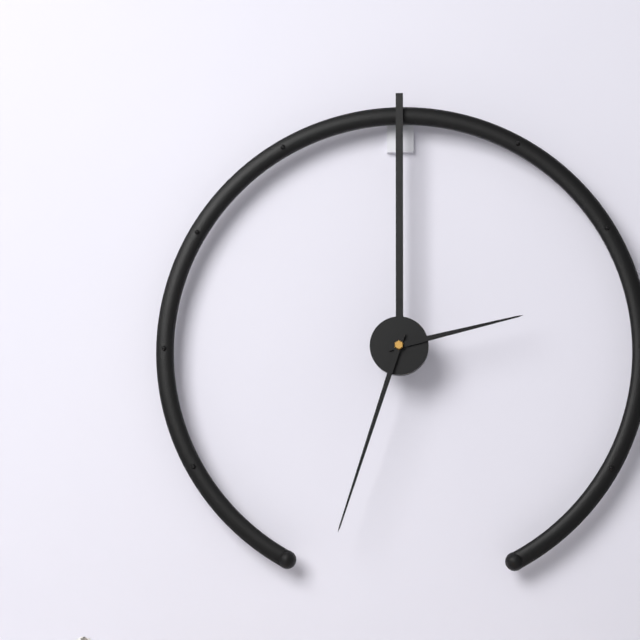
2:33
